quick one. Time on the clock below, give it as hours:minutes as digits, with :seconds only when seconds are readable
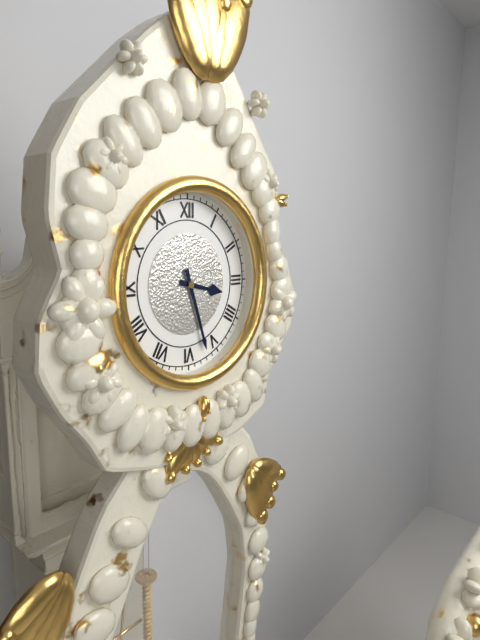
3:27
